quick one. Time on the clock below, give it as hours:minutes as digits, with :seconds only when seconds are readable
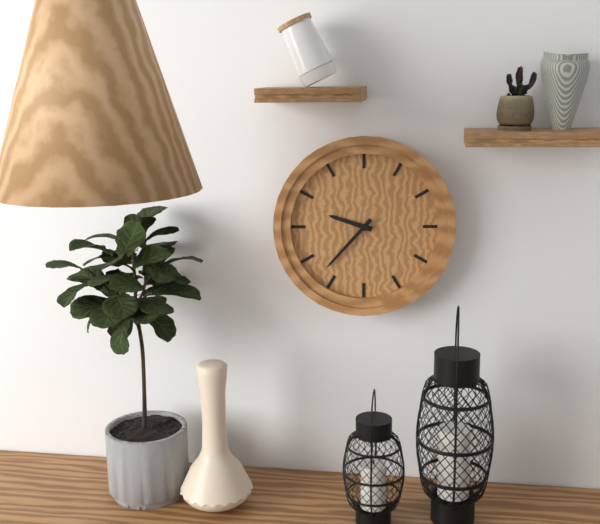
9:37
